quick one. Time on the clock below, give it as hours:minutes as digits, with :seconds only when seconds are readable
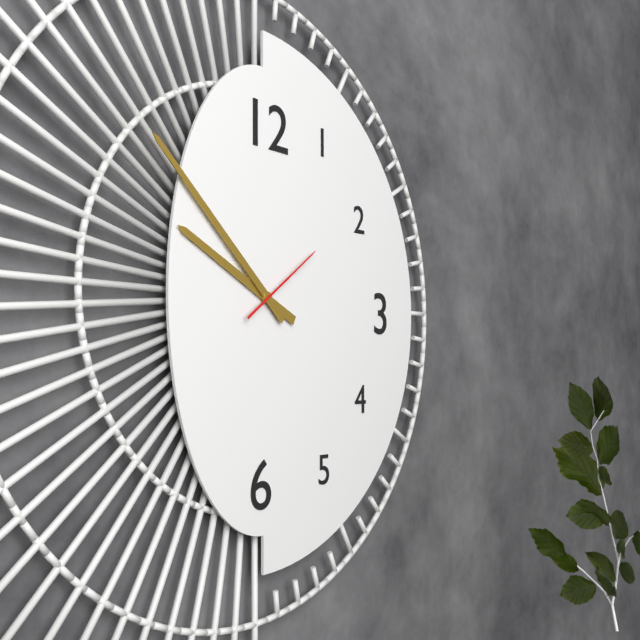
9:52:09
